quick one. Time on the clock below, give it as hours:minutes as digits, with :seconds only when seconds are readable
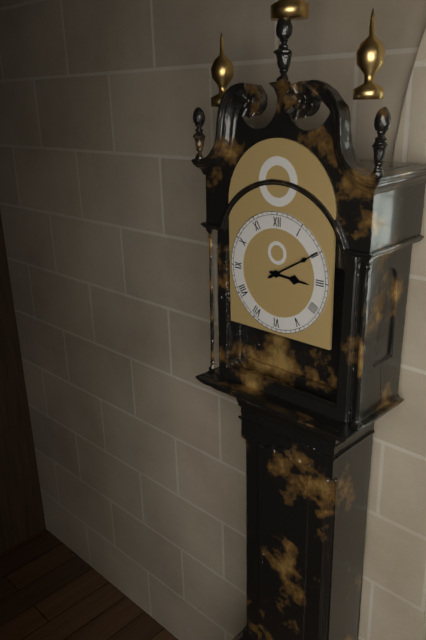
3:10
